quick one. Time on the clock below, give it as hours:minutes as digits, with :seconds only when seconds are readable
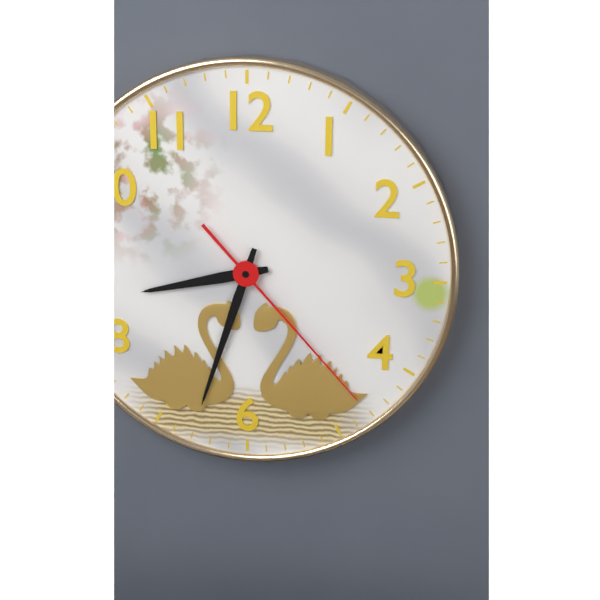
8:33:23
